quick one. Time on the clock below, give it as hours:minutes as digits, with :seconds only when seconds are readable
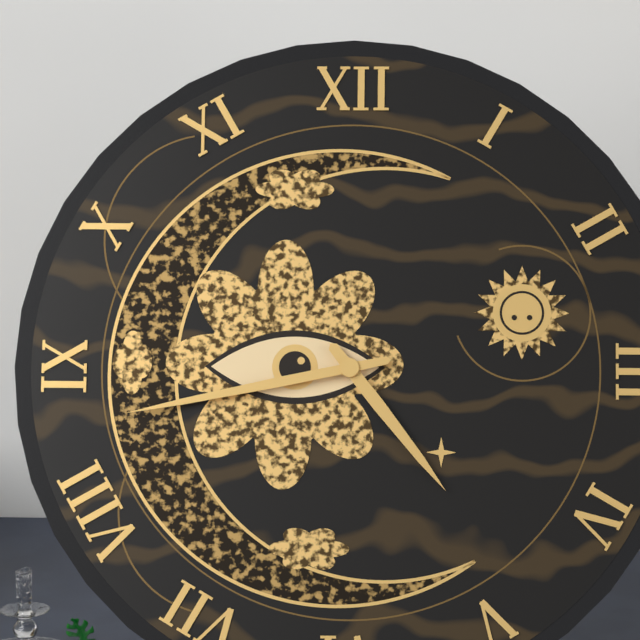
4:43
